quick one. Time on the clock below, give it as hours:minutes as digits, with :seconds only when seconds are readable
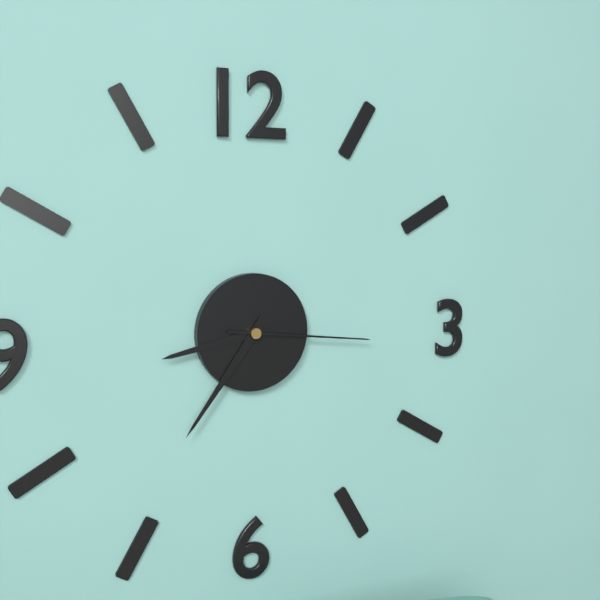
8:36:16
